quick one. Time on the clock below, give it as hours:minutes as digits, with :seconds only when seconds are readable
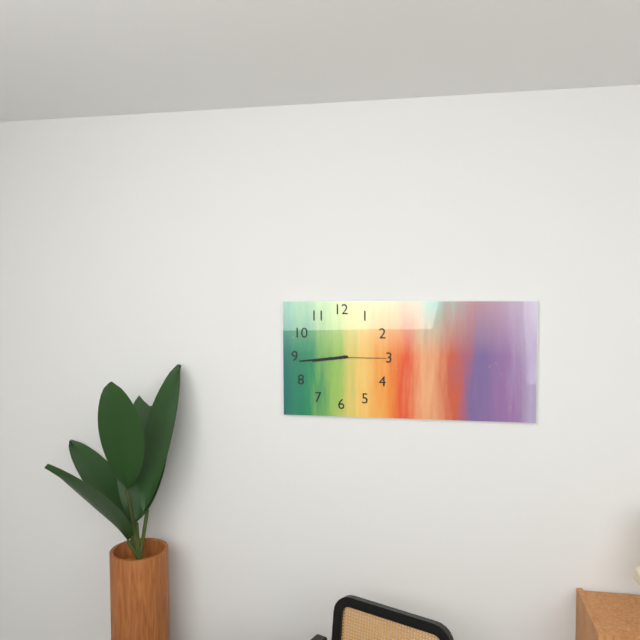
8:44:15
